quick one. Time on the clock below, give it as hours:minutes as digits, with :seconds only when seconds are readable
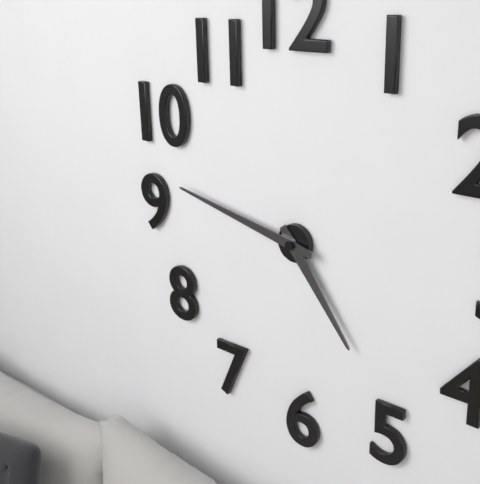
4:47
